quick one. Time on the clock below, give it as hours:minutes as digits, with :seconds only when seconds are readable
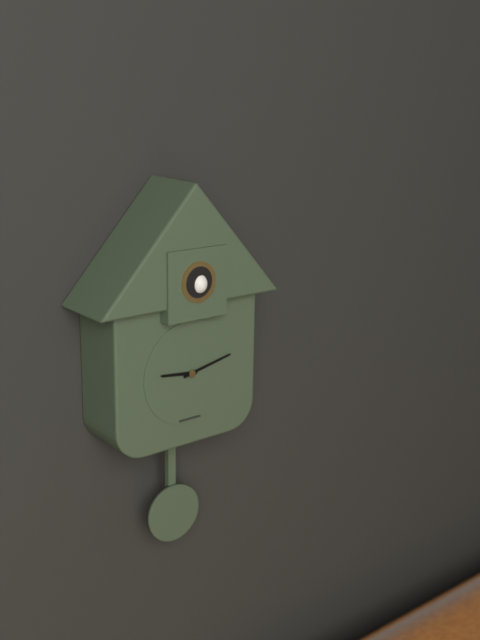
9:13
